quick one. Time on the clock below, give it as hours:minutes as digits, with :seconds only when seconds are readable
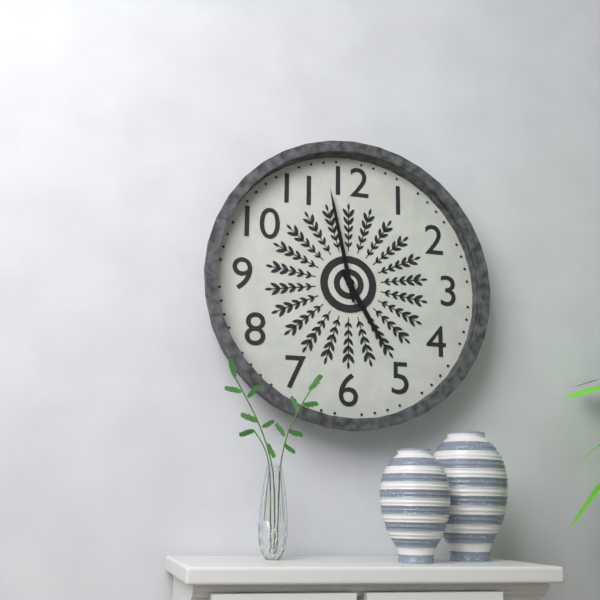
4:58
